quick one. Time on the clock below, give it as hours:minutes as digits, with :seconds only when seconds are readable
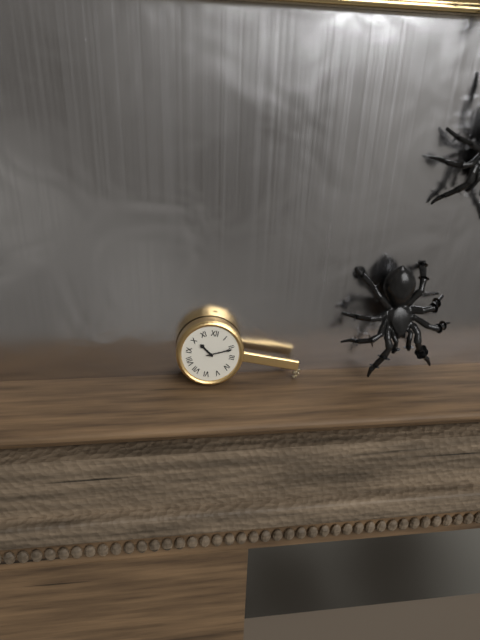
10:11
